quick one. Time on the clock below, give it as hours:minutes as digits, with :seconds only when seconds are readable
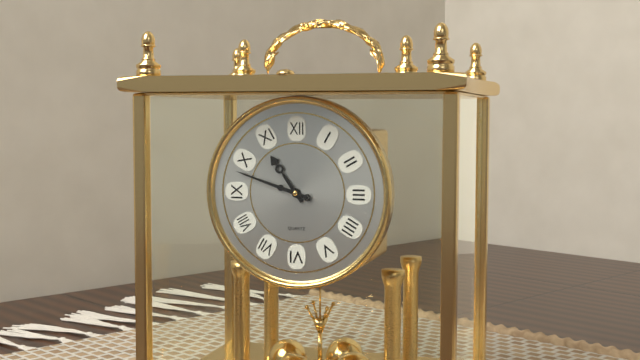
10:48
